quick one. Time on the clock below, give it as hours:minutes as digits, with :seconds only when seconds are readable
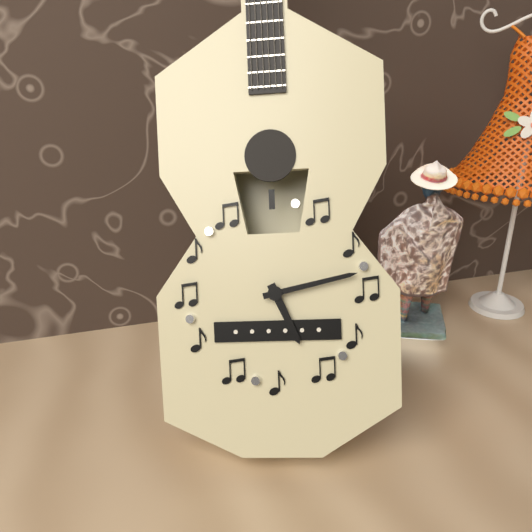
5:13
